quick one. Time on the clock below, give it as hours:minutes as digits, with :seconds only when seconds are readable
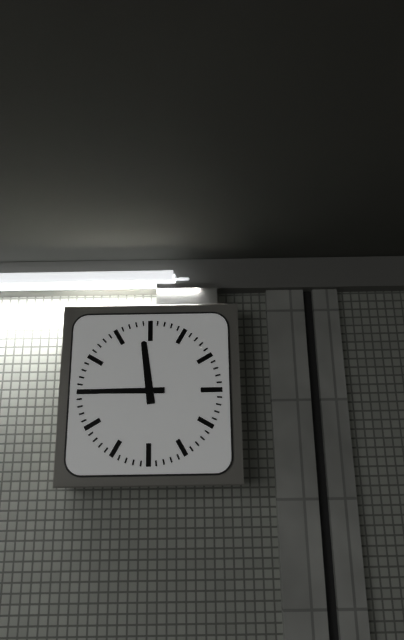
11:45
